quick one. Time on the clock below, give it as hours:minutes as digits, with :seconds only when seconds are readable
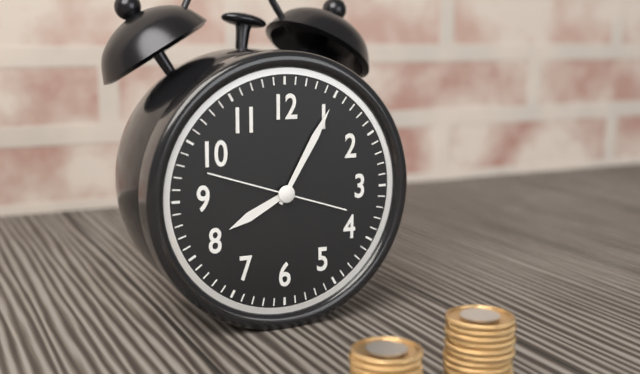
8:05:48
